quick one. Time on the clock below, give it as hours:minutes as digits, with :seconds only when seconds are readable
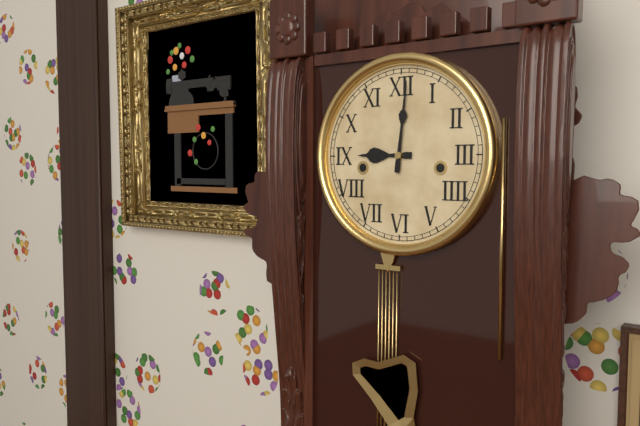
9:01
